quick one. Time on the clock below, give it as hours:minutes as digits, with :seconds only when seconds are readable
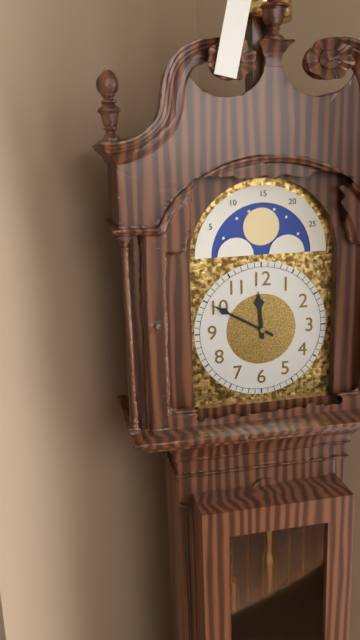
11:50
